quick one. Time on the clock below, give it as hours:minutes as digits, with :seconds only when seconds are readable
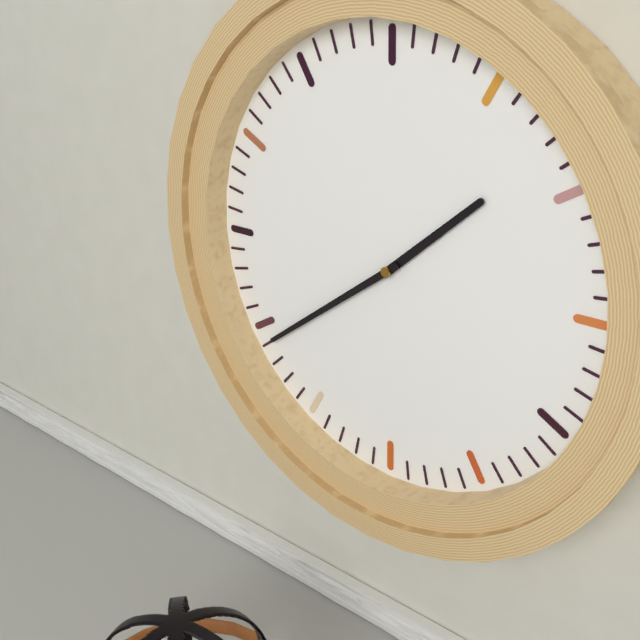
1:39
